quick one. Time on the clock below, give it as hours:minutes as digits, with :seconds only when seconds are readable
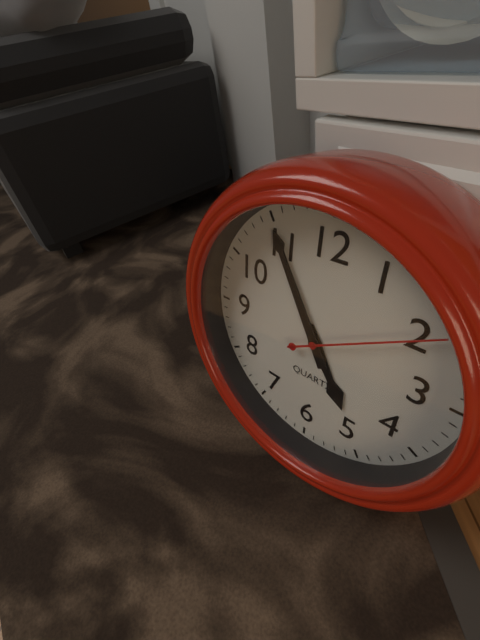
4:55:10
